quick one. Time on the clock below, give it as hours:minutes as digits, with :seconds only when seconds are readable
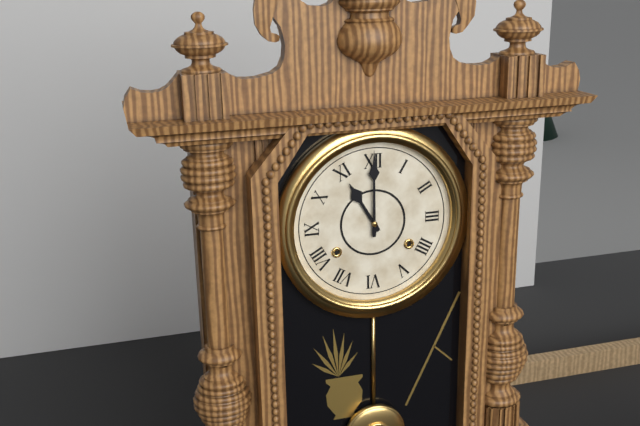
11:00
